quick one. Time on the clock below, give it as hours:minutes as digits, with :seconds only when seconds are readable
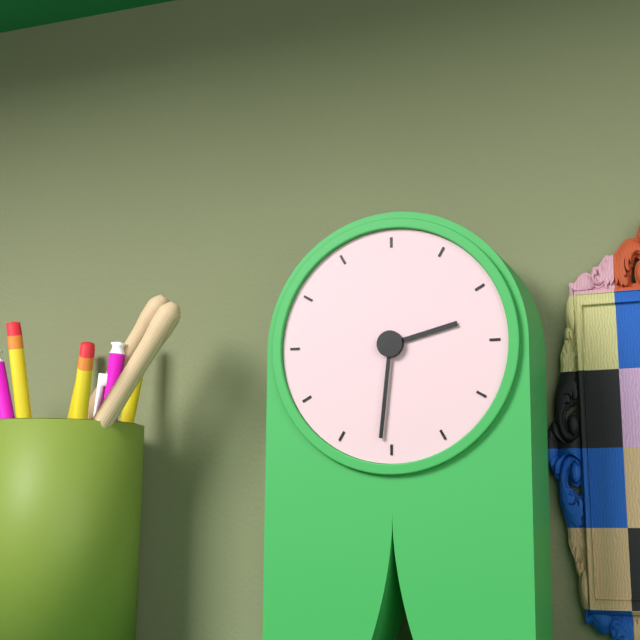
2:31
